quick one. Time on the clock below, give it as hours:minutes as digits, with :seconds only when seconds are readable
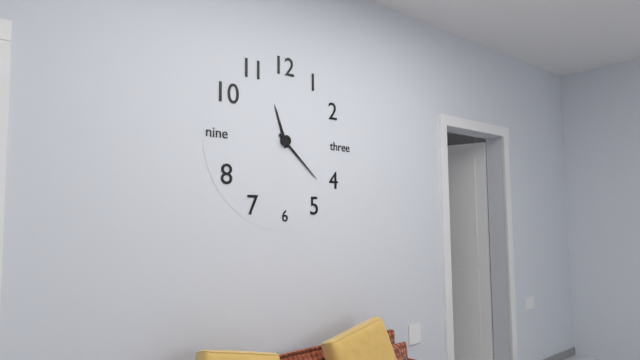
11:22
